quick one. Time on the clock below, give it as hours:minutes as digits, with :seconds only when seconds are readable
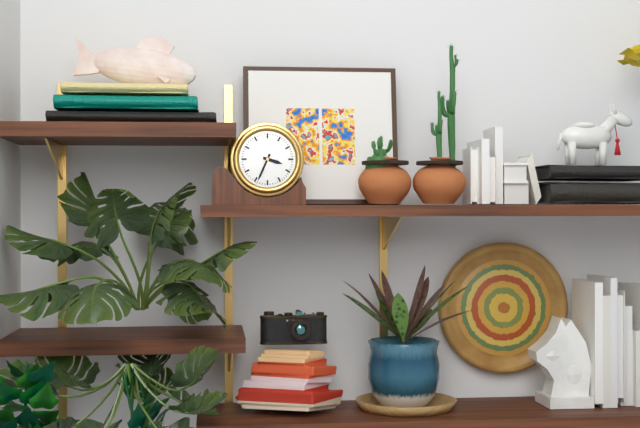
3:34
